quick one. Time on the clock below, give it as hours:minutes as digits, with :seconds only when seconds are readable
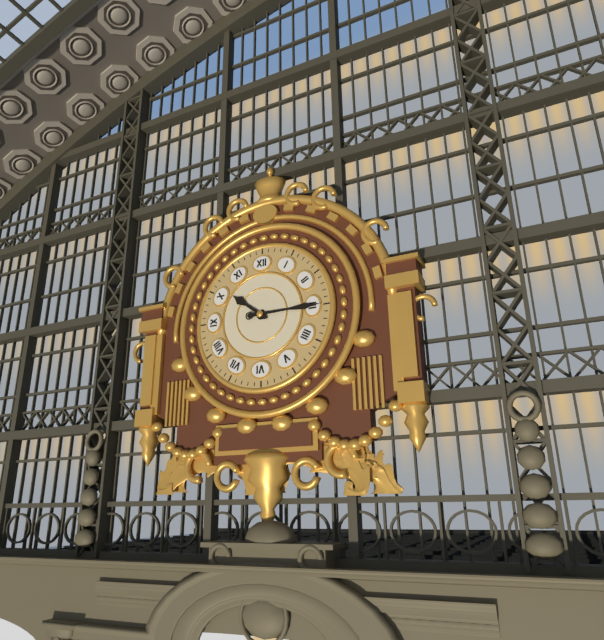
10:15
